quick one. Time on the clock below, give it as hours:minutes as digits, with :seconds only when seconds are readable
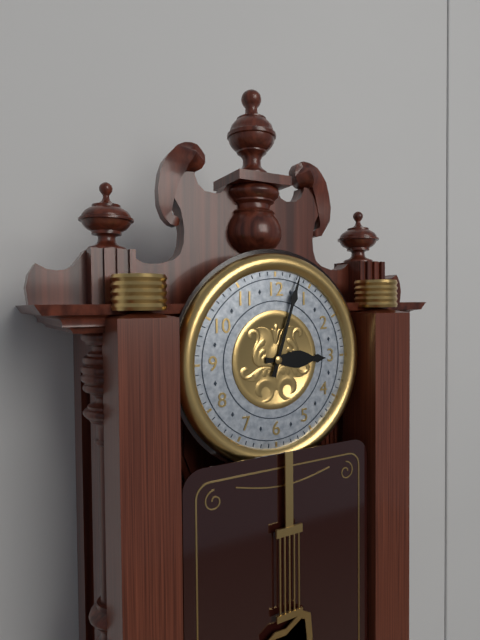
3:03
